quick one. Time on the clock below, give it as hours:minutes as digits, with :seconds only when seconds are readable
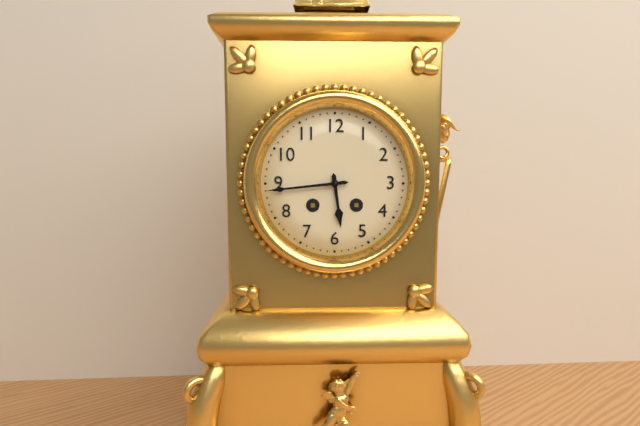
5:44
